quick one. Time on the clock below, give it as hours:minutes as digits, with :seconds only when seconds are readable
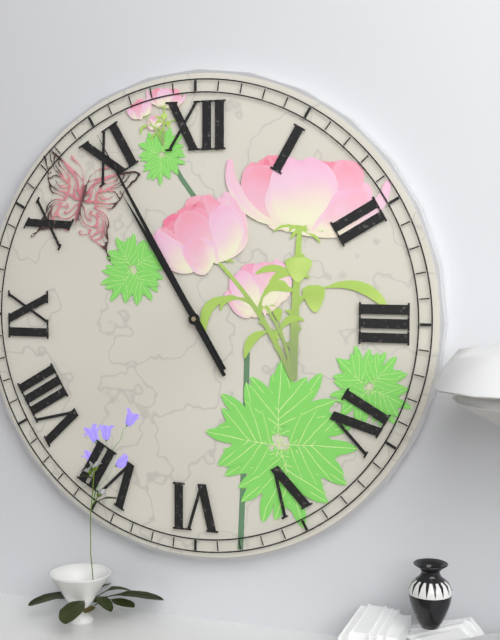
10:55
